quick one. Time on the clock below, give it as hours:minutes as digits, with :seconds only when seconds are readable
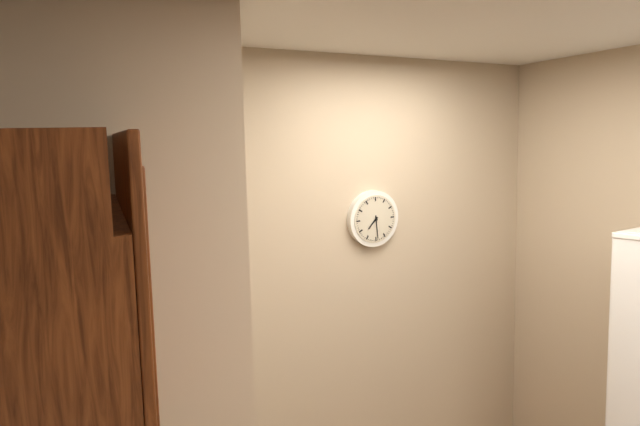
7:29
